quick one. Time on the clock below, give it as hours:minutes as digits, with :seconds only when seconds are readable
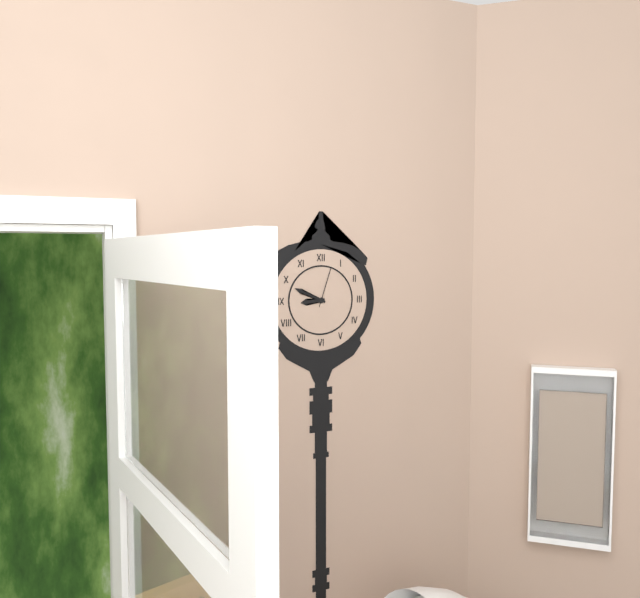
8:49
